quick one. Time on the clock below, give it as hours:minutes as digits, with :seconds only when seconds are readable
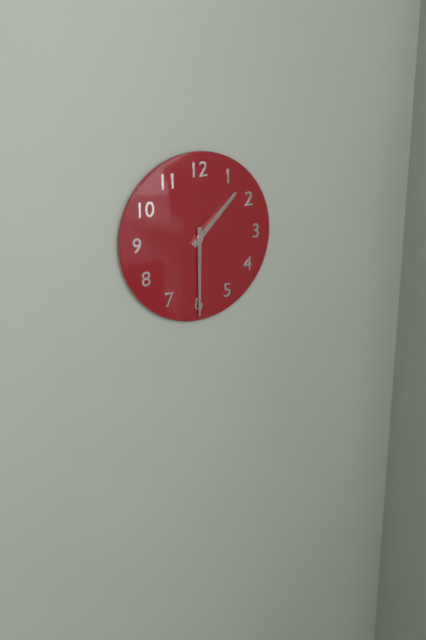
1:30
